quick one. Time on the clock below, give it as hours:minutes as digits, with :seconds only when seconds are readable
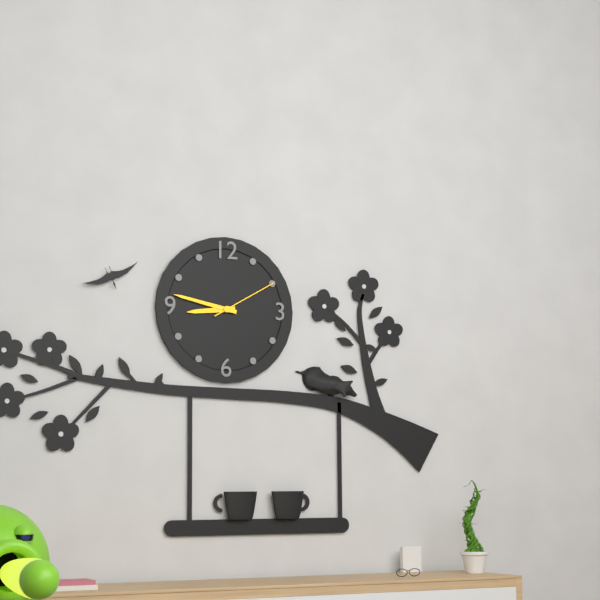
8:47:10
